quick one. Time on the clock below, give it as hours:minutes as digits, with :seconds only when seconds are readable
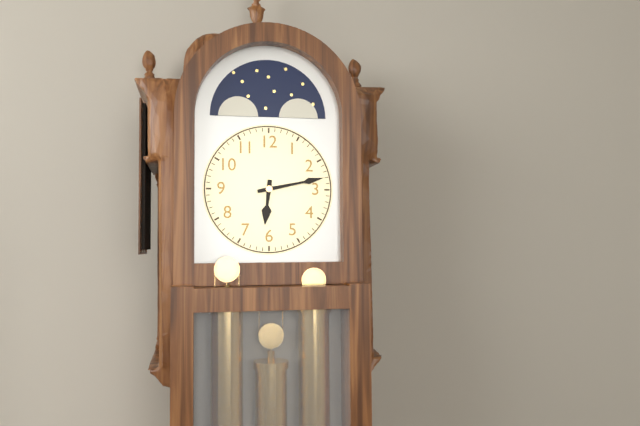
6:13
